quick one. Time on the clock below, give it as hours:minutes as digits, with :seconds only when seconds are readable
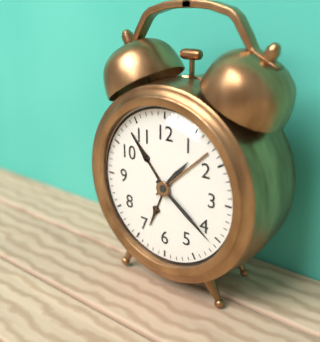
1:21
